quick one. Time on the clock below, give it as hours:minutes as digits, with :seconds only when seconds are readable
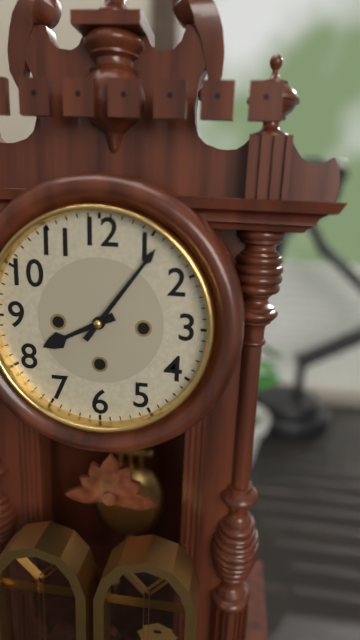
8:06
